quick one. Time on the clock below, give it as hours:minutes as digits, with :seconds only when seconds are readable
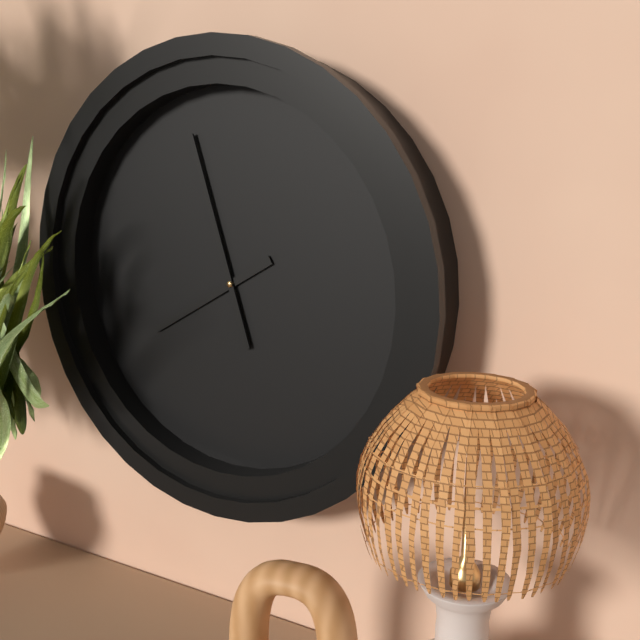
7:57
